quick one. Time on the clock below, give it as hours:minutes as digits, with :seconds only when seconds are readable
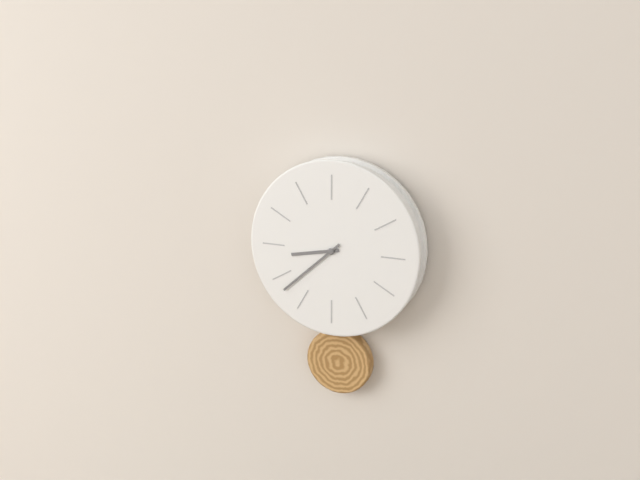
8:38
